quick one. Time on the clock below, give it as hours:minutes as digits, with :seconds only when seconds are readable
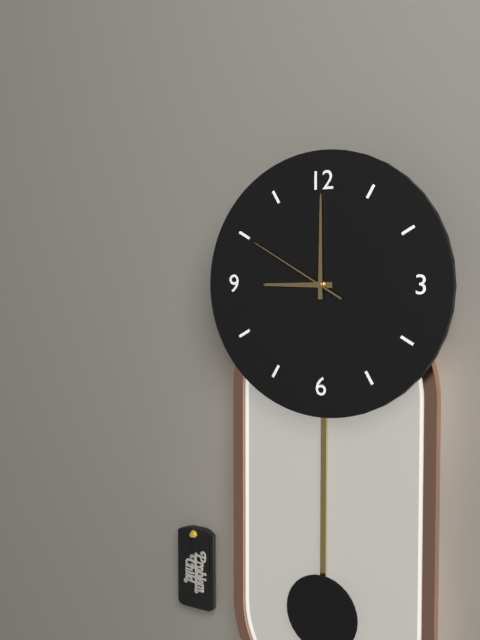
9:00:50
